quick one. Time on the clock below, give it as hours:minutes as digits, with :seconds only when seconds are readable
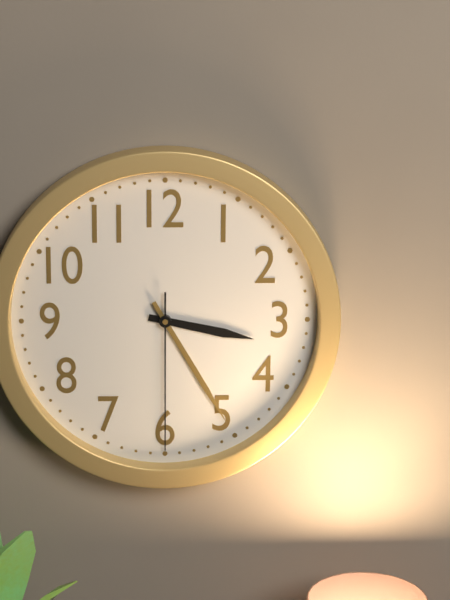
3:25:30
